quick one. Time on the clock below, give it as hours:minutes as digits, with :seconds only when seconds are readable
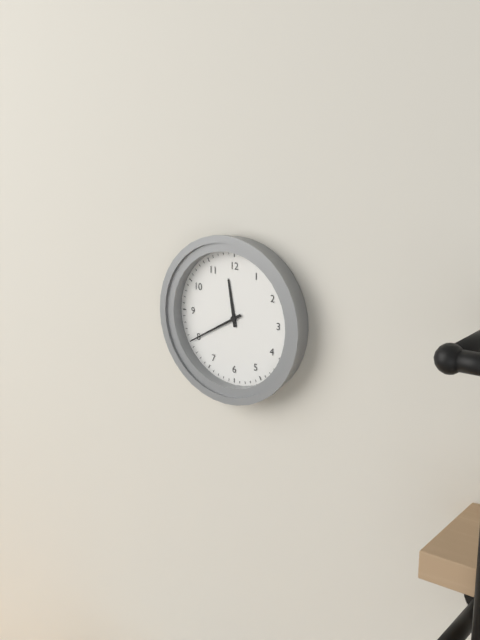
11:40
